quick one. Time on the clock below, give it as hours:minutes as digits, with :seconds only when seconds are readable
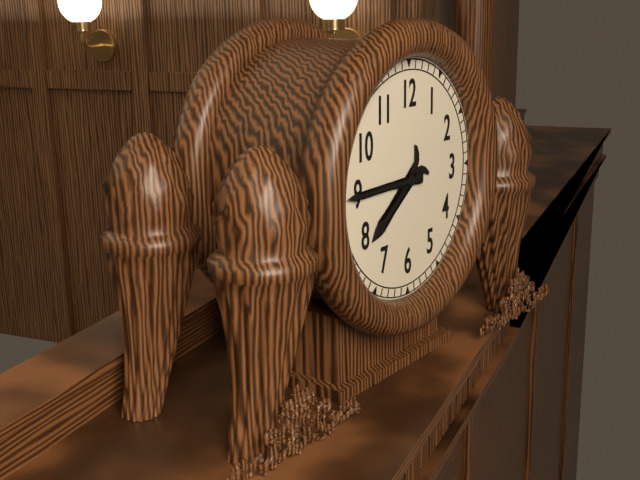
7:45
